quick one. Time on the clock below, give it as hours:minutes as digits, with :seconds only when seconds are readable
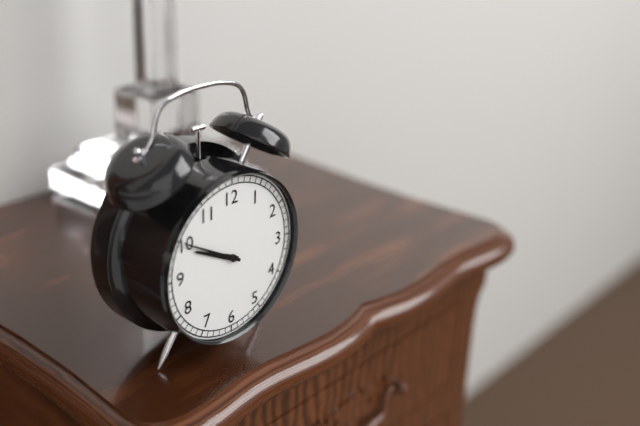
9:50
